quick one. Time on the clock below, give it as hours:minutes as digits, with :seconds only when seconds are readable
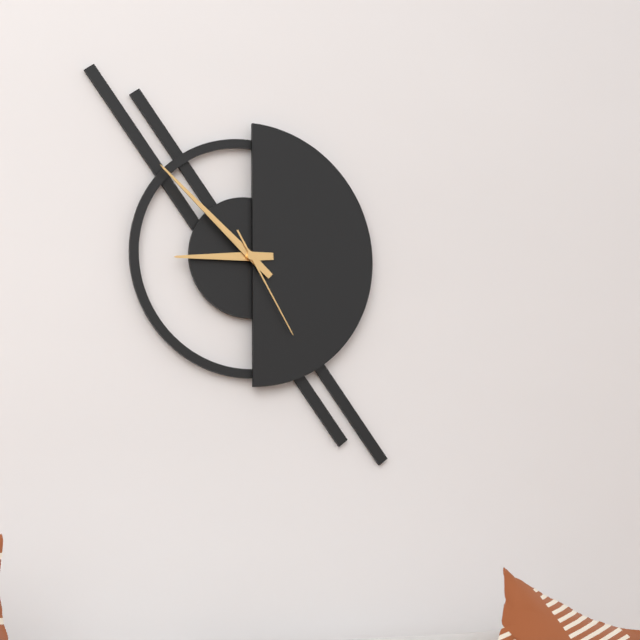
8:52:25
